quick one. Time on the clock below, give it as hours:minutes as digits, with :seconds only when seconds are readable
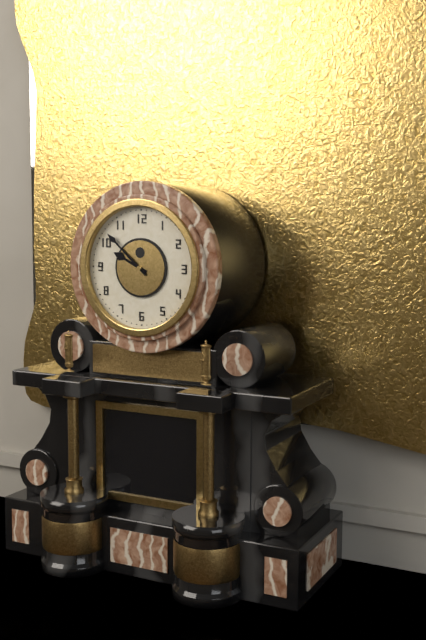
9:52
